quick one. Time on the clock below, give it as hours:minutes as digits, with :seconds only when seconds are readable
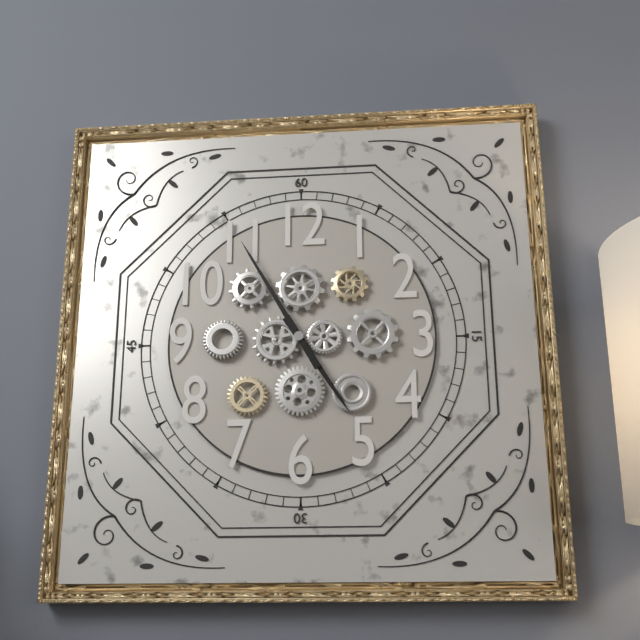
4:55
